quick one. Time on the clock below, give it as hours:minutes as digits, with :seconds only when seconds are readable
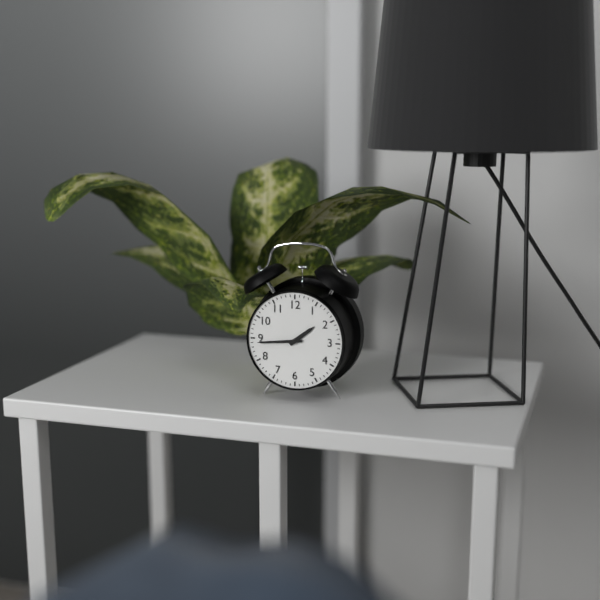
1:44
